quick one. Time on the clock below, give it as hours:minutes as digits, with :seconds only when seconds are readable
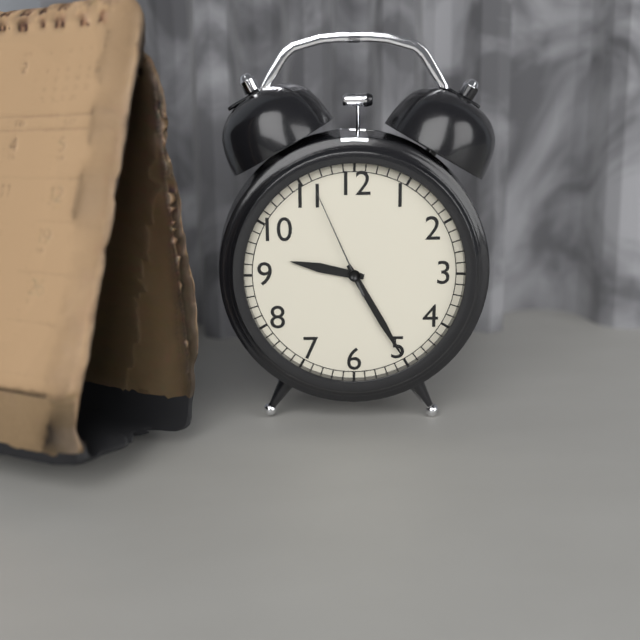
9:25:56
